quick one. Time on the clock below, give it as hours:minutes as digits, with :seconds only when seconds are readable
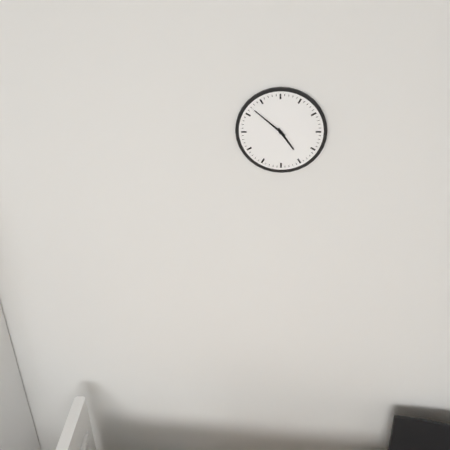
4:52
